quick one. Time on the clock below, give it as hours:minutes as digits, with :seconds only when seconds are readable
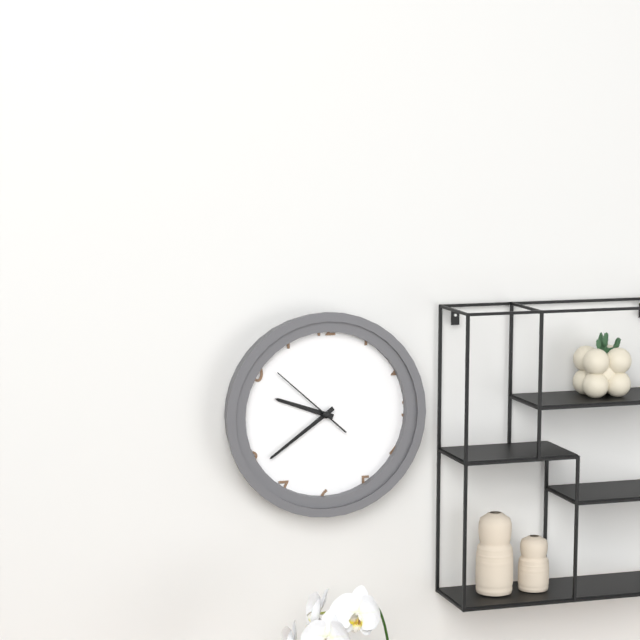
9:39:52
